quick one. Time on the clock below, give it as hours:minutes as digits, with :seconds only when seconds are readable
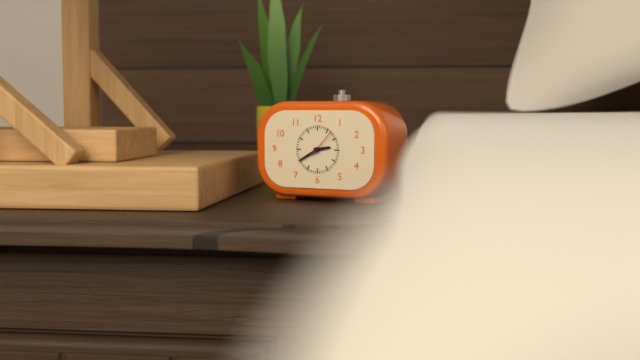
2:40
